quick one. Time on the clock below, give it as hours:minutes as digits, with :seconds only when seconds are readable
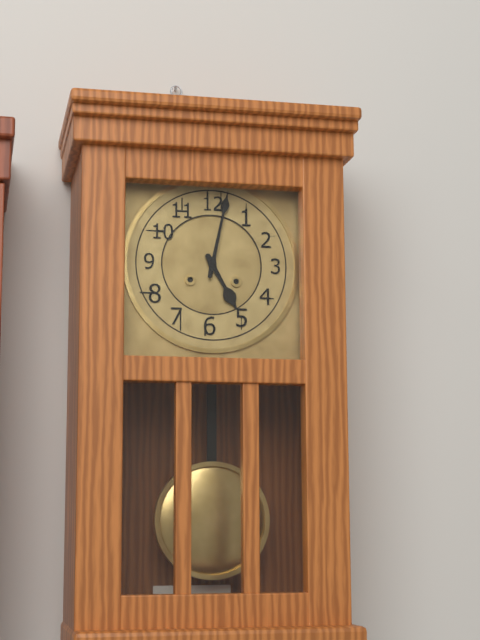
5:02
